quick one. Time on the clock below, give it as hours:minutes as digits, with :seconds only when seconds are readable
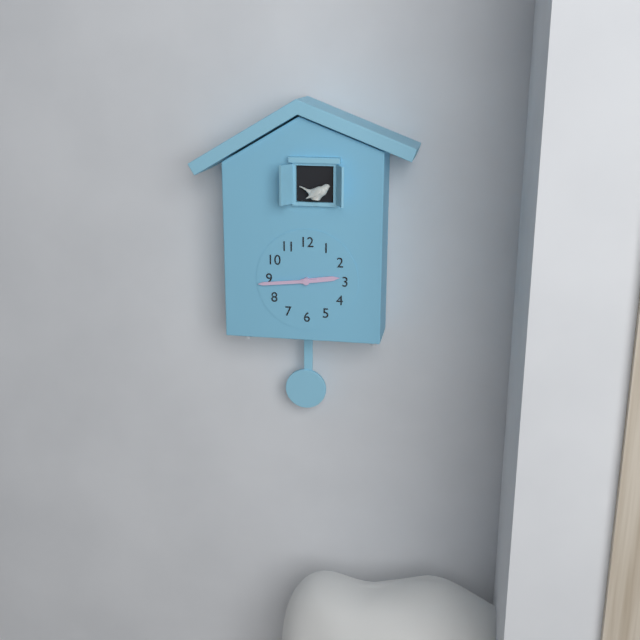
2:44
